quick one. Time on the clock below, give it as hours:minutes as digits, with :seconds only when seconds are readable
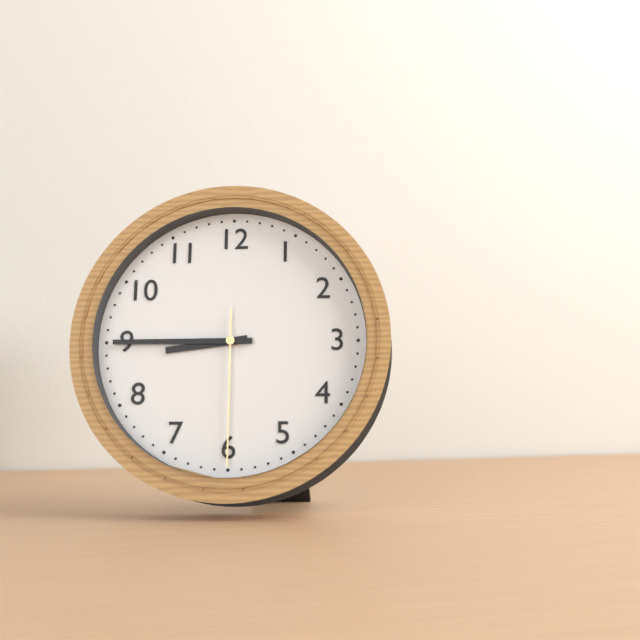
8:45:30
